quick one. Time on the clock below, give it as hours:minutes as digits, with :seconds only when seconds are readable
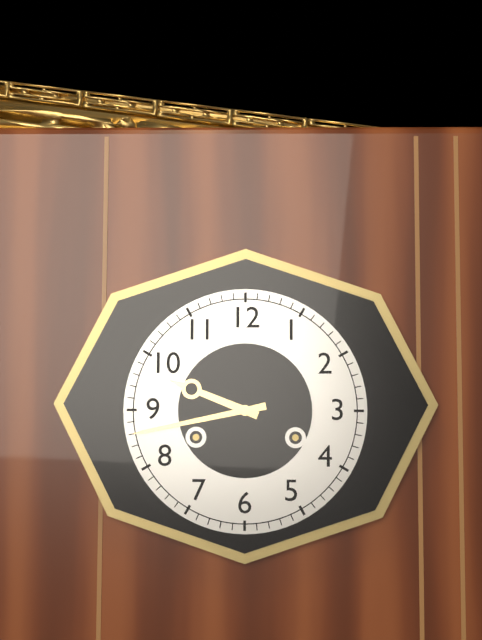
9:43
